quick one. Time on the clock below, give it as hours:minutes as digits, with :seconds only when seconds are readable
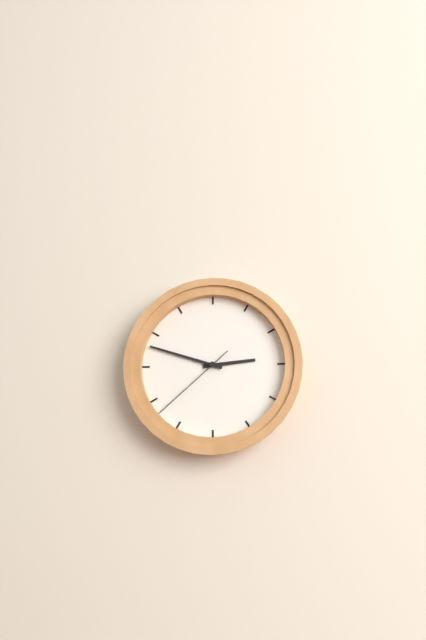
2:48:38
